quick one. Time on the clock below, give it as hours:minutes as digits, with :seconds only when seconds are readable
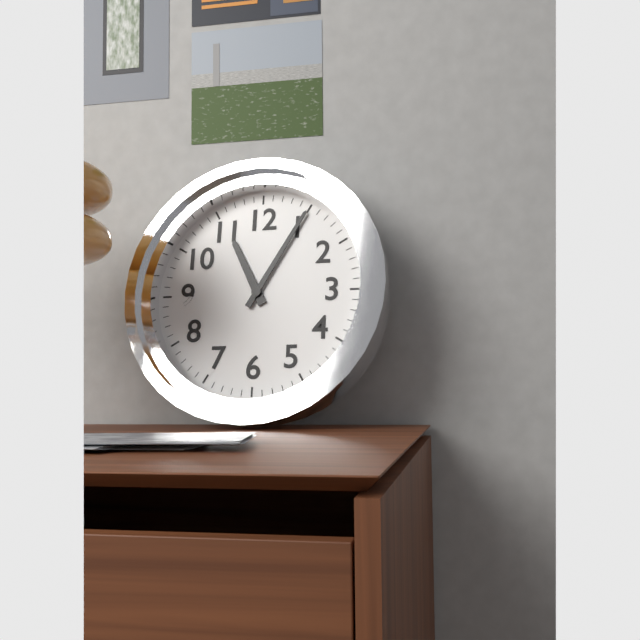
11:05
